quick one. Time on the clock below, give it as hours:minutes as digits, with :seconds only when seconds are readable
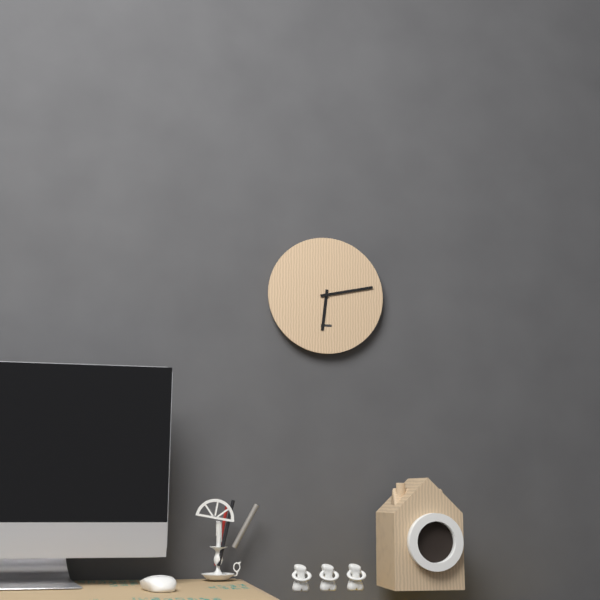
6:13
